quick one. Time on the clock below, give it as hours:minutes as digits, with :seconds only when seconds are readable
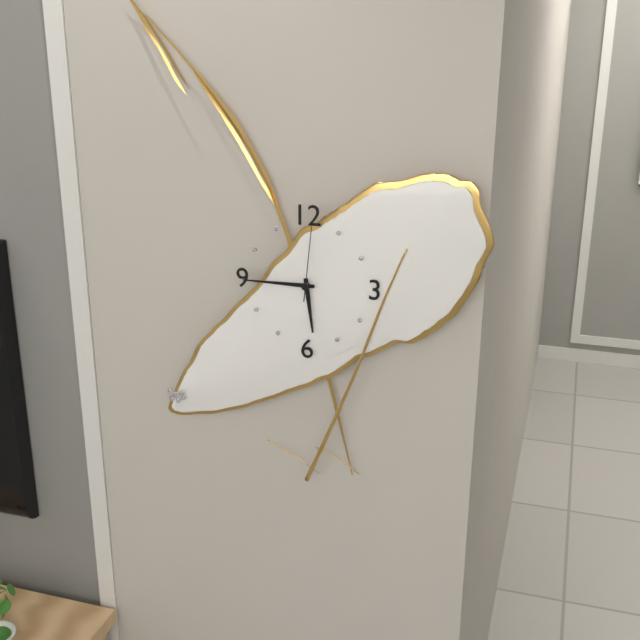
5:45:01
